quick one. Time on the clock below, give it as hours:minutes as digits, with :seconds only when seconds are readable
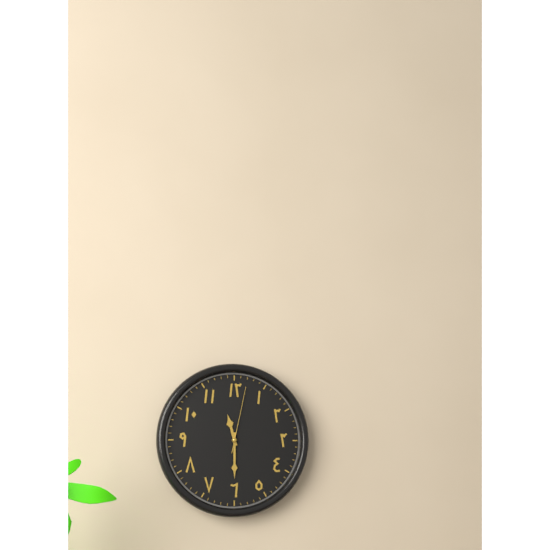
11:30:02
